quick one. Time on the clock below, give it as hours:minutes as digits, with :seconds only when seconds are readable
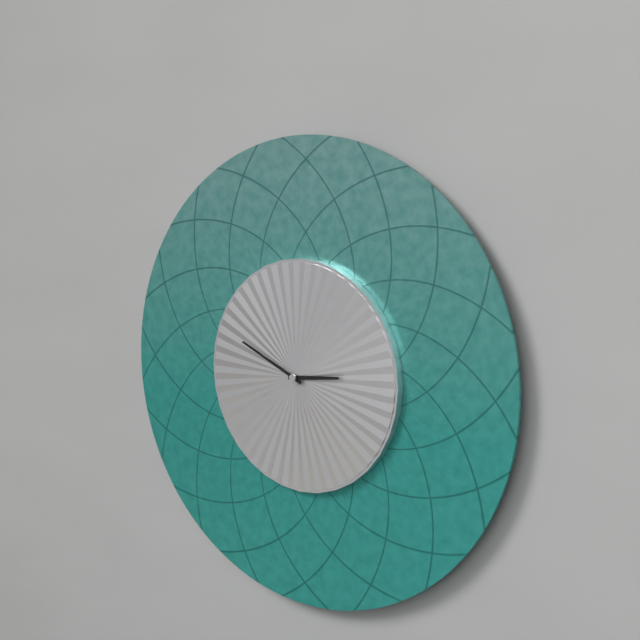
2:49
